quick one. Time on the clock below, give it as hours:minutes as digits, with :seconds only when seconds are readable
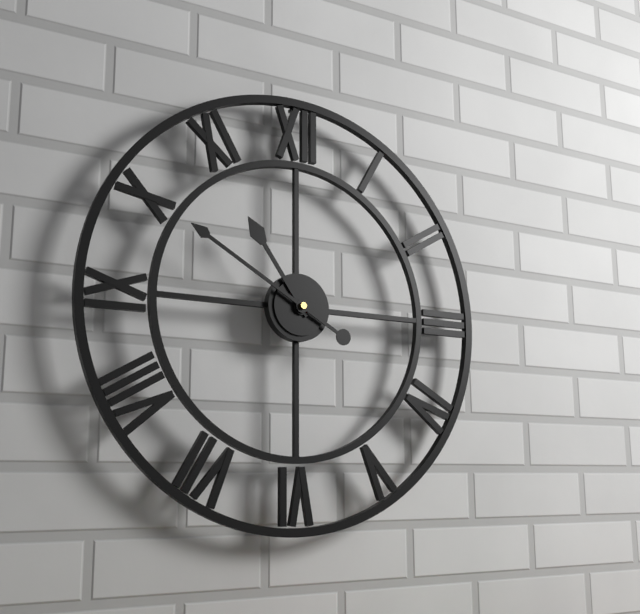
10:50
